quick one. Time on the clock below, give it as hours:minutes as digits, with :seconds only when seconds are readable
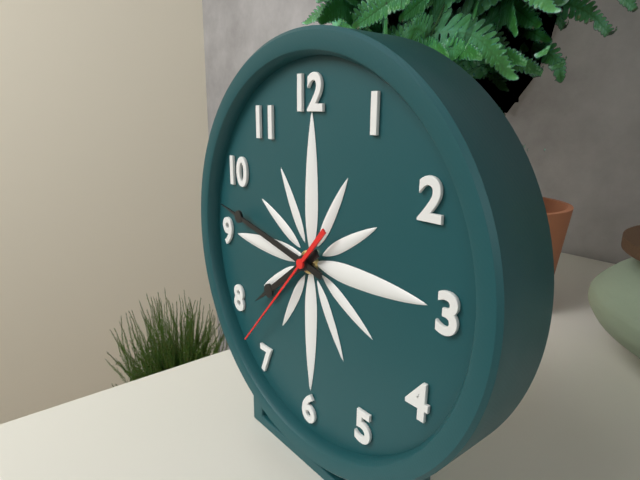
7:47:37
